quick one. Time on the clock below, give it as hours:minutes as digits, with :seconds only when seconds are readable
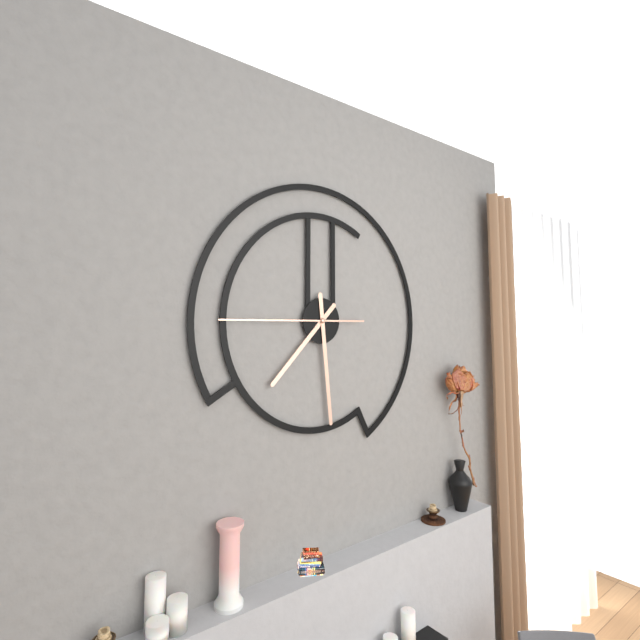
7:29:45
